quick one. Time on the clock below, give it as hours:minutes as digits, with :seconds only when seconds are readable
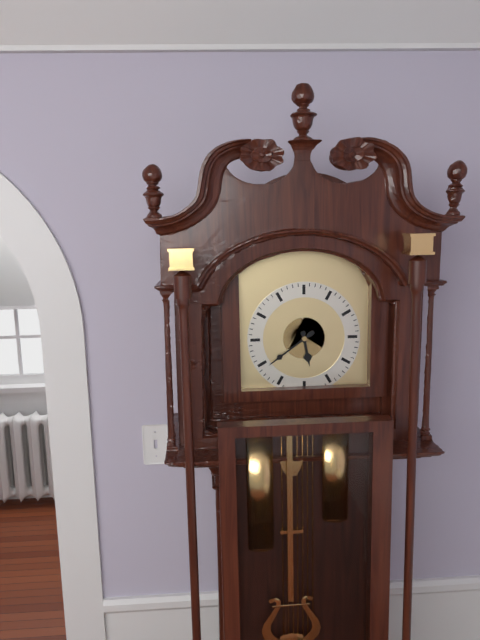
5:39
